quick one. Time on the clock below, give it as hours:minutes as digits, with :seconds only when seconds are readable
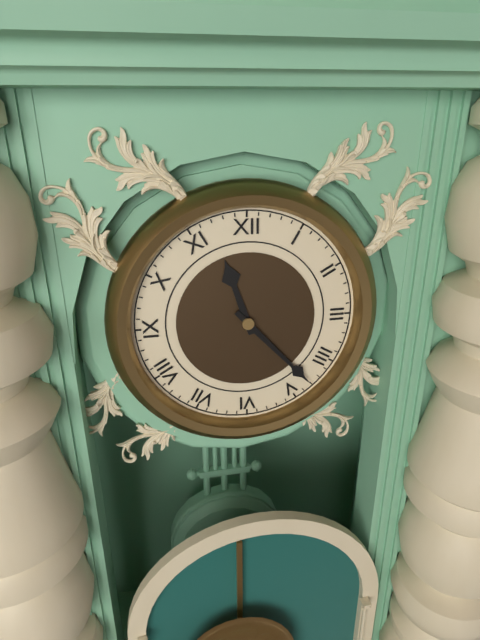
11:23
